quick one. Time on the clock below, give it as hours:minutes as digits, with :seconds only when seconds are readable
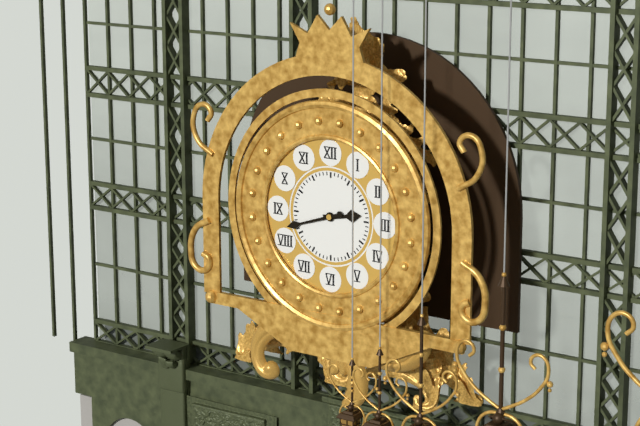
2:42
